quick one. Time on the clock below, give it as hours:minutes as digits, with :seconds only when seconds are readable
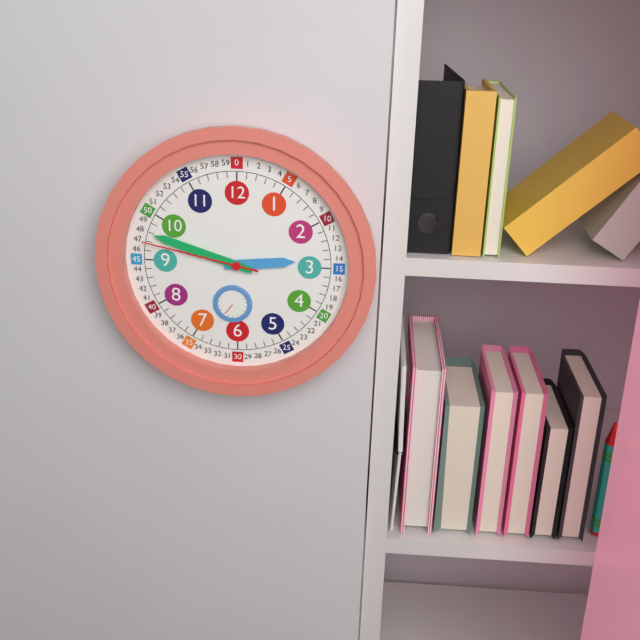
2:48:47
